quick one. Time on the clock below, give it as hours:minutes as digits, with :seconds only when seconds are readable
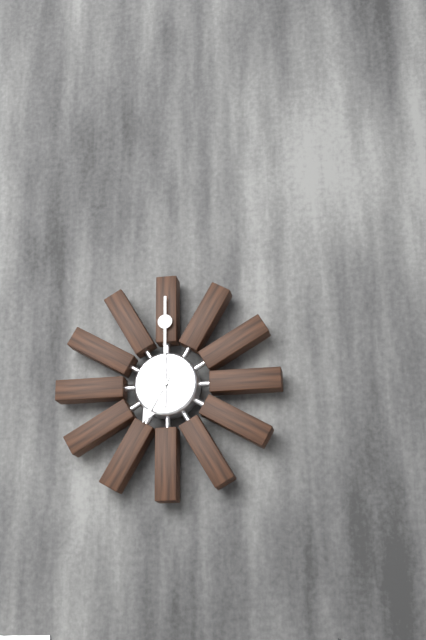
7:00
